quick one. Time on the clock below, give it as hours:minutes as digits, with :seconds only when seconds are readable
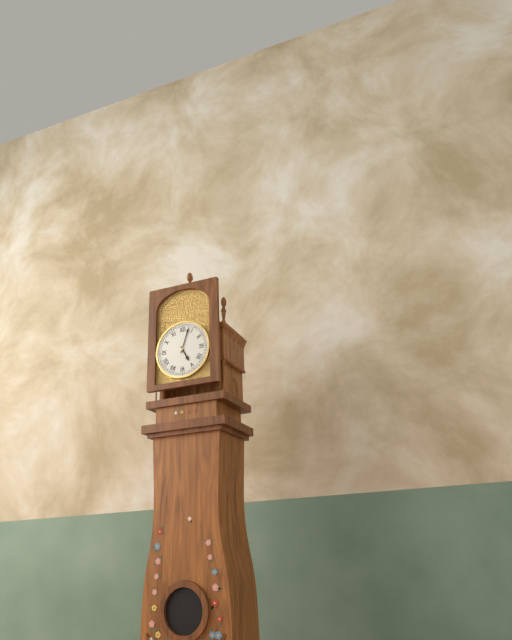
5:03
